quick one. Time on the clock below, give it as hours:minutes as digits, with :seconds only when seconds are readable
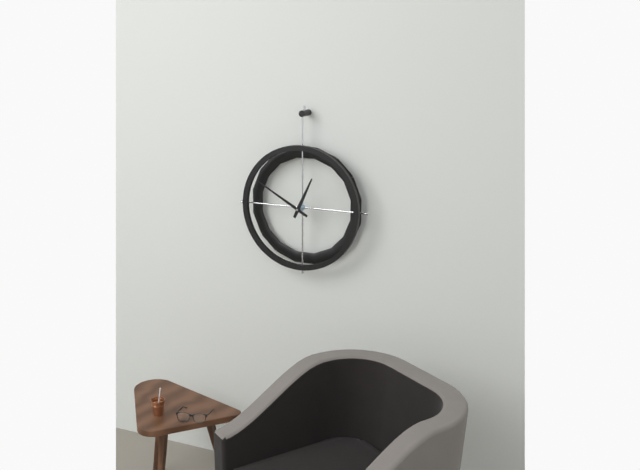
12:50
